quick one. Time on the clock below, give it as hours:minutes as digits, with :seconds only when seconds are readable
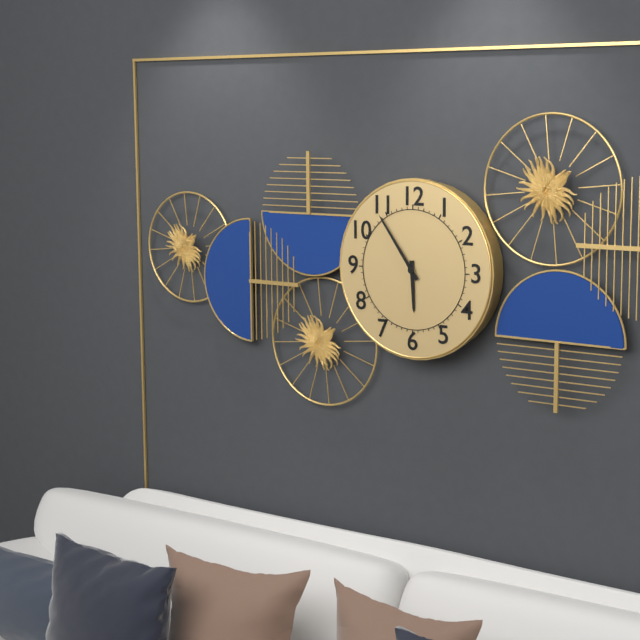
5:54
